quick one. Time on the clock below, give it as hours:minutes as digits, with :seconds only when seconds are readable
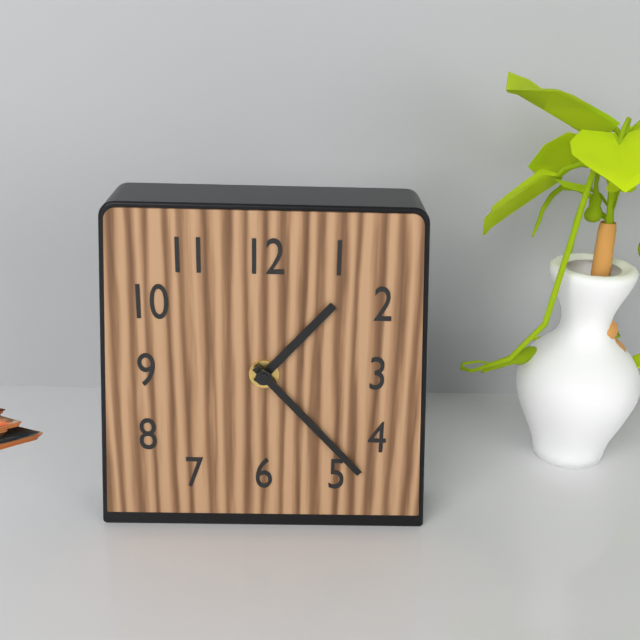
1:23
